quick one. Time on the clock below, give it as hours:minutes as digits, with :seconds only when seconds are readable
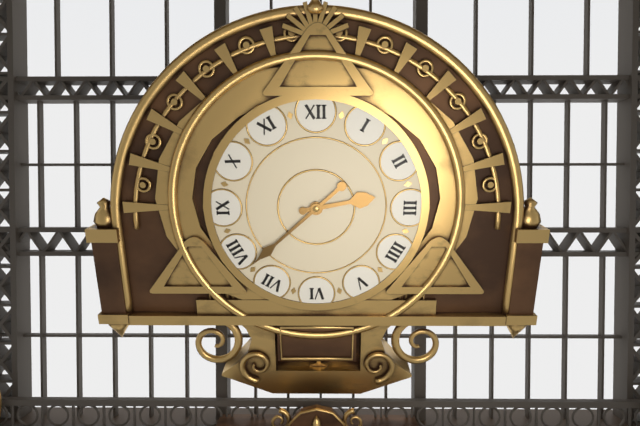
2:38
